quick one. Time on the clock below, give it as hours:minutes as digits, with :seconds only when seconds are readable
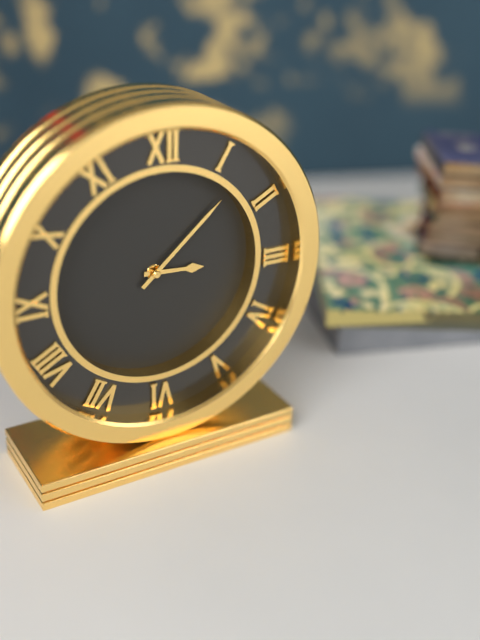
3:08
